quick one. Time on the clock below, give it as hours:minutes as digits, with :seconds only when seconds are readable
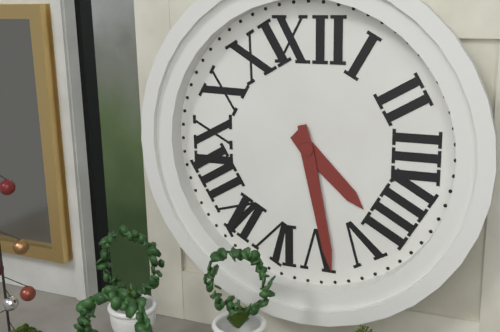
4:28
